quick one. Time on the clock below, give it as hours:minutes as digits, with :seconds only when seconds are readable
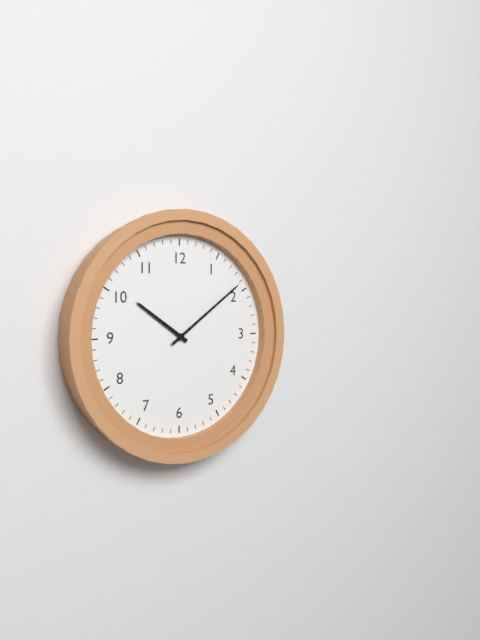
10:09
